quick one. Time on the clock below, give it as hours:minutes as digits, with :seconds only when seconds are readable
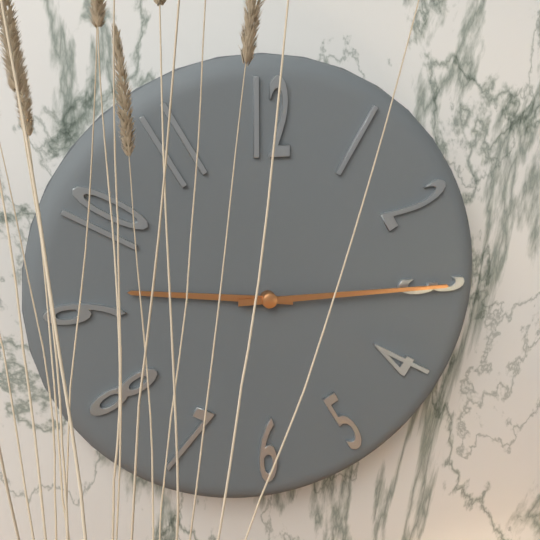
9:15
